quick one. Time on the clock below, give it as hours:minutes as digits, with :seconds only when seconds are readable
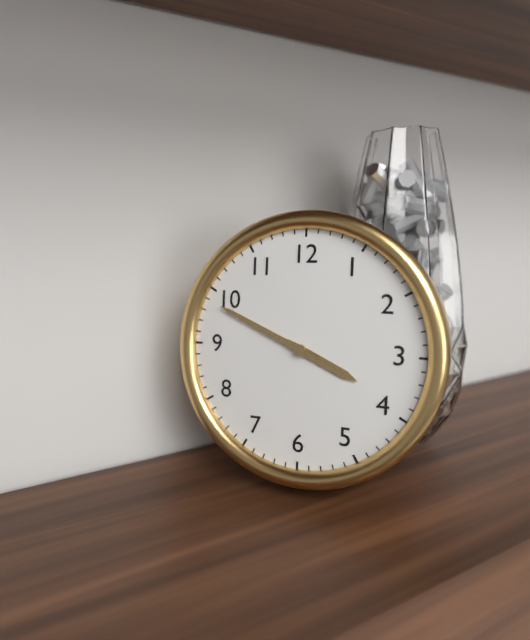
3:49
